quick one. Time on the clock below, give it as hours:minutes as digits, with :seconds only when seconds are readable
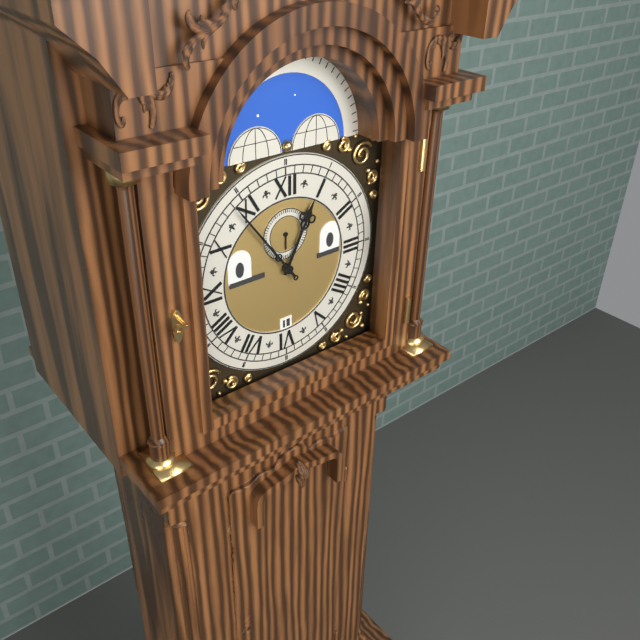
12:54
